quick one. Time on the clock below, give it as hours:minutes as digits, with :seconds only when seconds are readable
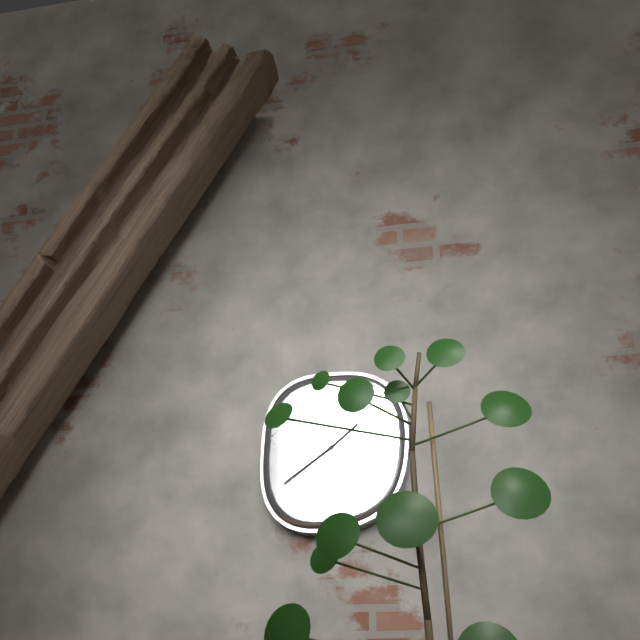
1:39
